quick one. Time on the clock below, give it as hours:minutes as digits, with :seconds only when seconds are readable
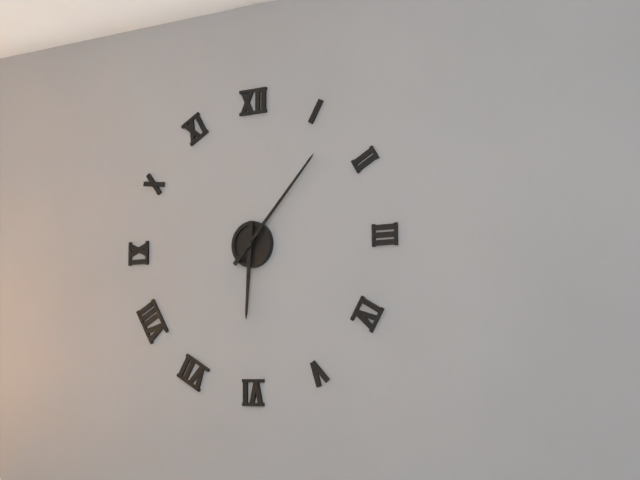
6:07
